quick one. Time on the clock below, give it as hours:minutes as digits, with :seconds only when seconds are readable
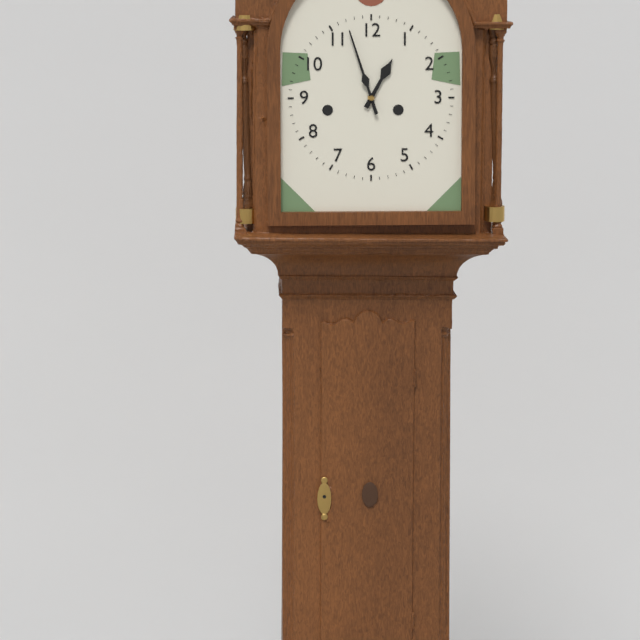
12:57
